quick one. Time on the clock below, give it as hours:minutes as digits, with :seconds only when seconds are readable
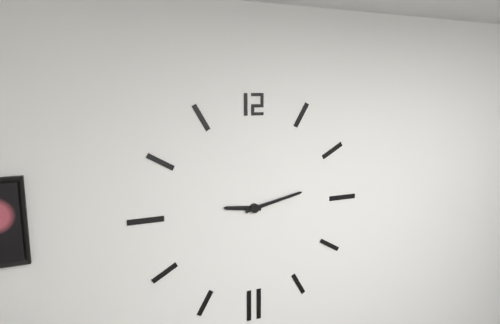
9:13
